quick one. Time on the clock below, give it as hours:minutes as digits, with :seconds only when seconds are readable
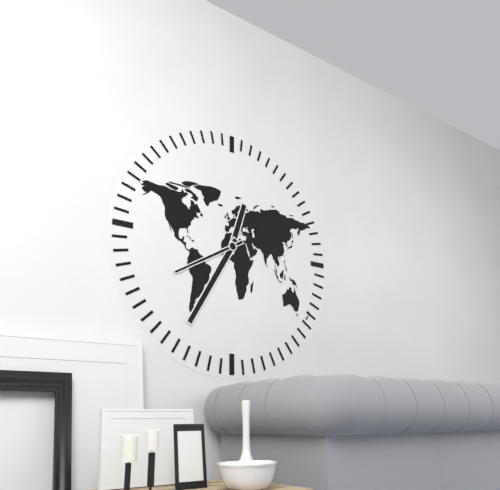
12:35:40
